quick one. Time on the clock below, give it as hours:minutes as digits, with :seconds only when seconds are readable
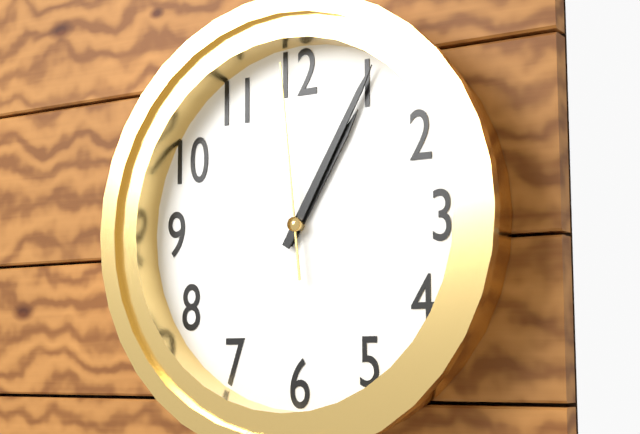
1:05:59
